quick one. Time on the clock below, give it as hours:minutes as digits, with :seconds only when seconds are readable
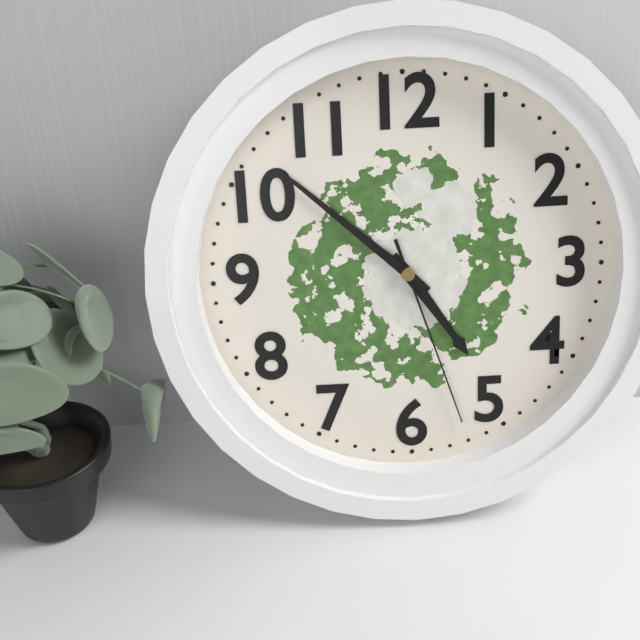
4:52:27
